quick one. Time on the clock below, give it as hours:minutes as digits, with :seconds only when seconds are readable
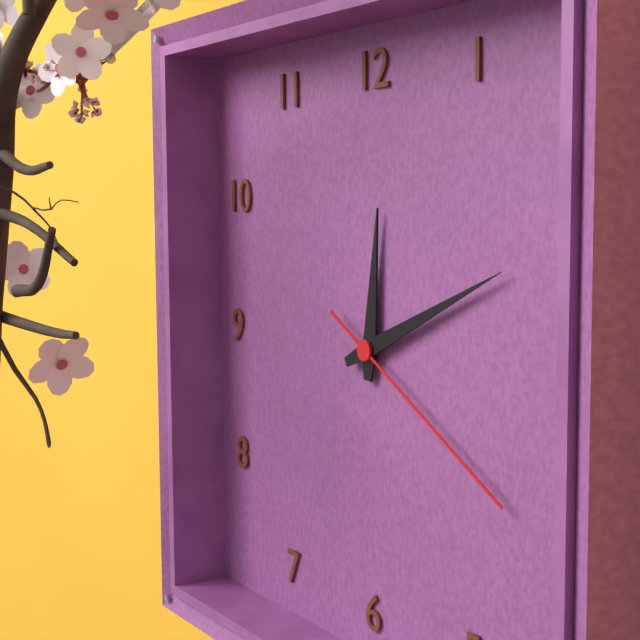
12:11:20
